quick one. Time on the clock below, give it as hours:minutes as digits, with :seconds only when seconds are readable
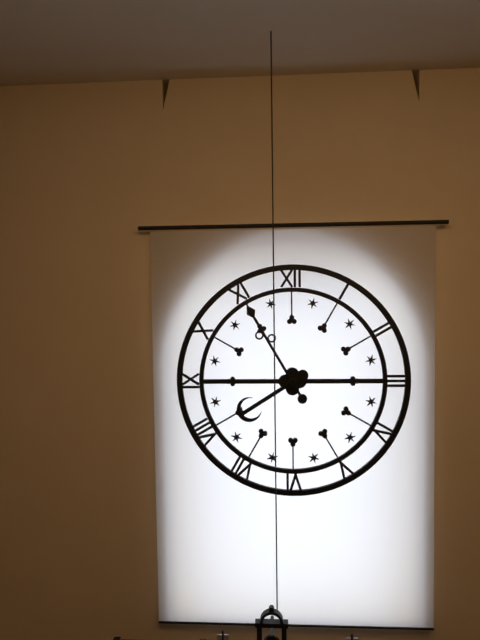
7:55
